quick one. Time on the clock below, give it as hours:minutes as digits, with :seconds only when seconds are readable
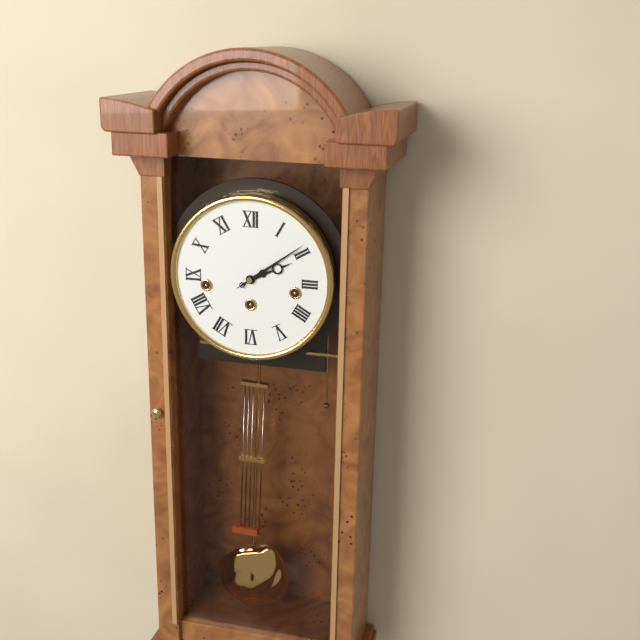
2:09
